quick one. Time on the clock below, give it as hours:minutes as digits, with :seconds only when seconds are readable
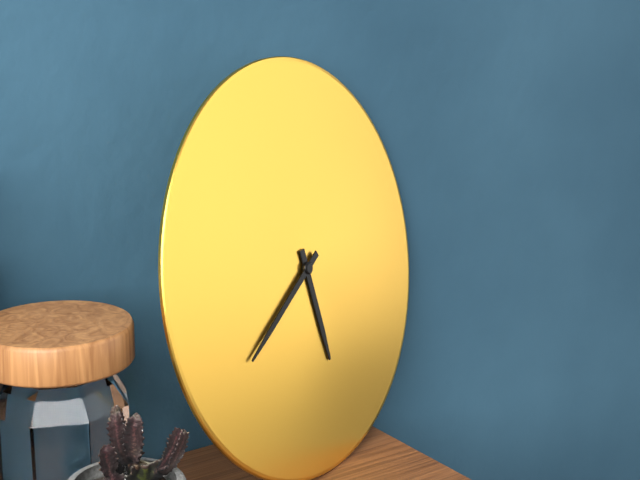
5:40
